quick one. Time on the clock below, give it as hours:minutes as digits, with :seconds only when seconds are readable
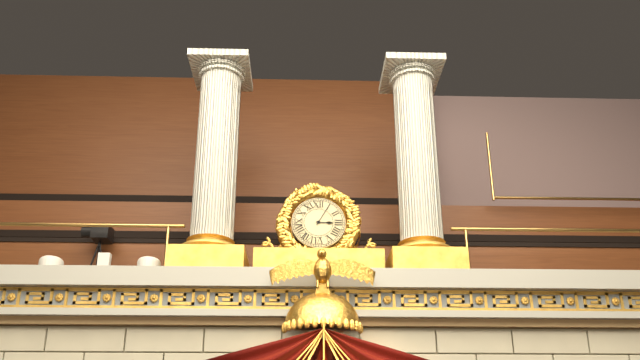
3:05
